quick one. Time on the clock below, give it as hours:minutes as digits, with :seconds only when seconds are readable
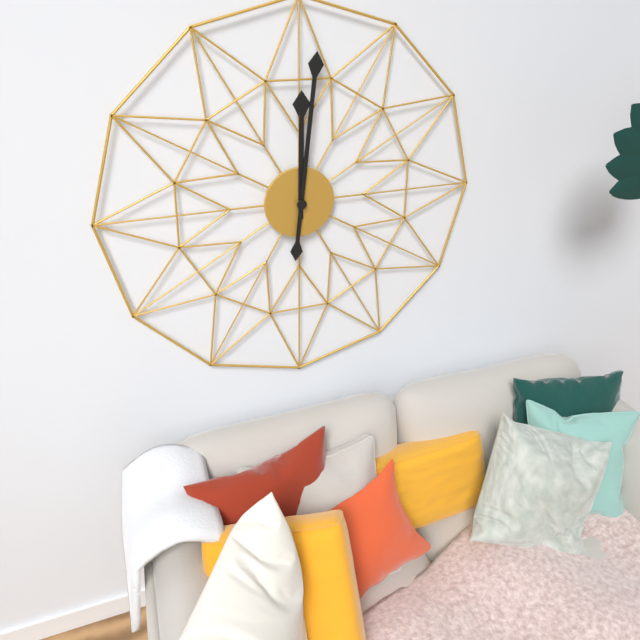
12:01
